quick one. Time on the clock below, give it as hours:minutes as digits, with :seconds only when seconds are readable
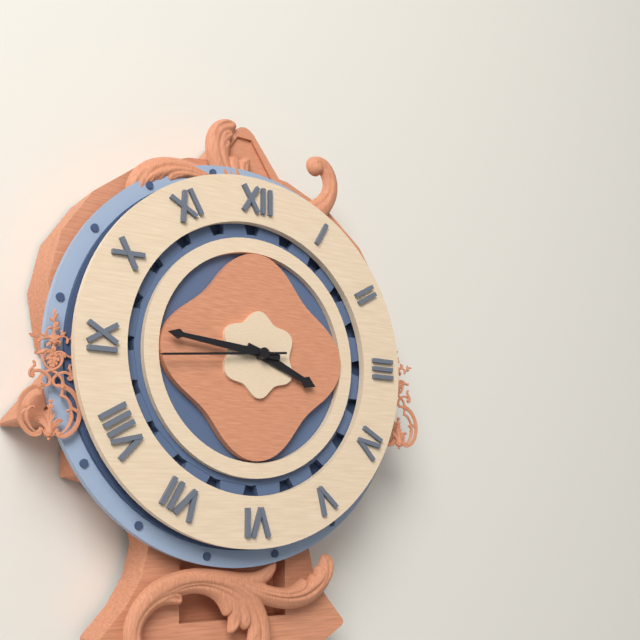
3:46:44
